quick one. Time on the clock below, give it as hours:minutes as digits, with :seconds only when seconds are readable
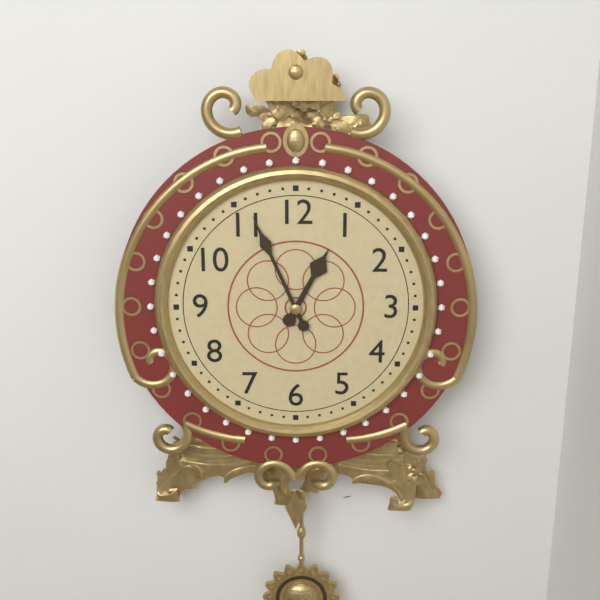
12:56
